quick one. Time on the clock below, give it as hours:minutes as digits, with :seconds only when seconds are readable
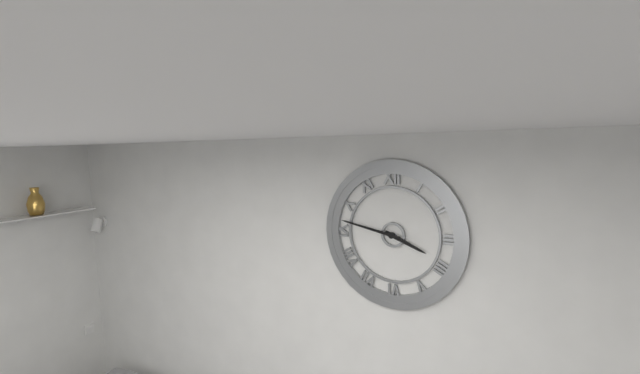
3:47
